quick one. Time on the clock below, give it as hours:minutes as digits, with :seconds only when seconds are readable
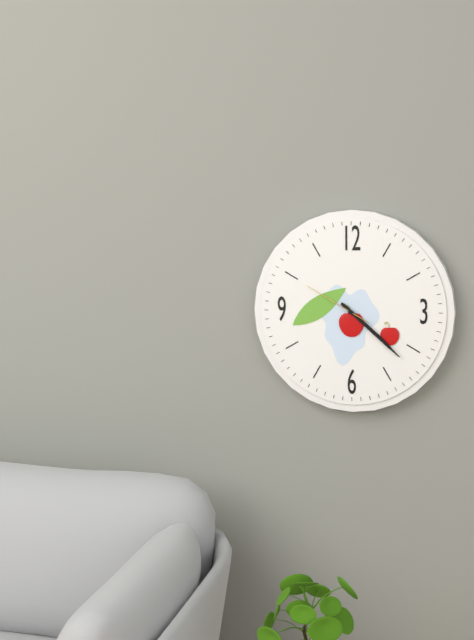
4:22:50
